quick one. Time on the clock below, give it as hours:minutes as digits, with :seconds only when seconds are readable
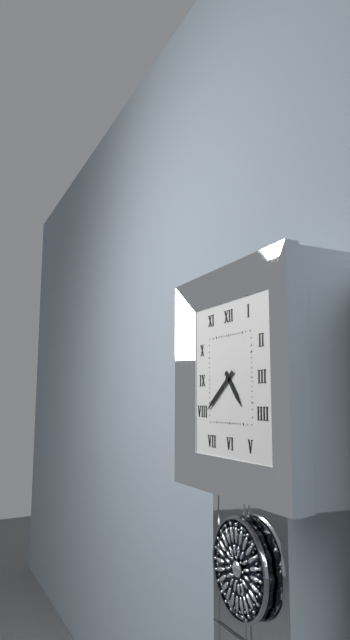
4:39
